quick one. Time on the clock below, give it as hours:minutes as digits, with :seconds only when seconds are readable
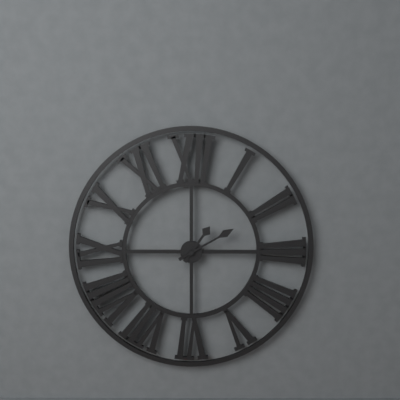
1:10
